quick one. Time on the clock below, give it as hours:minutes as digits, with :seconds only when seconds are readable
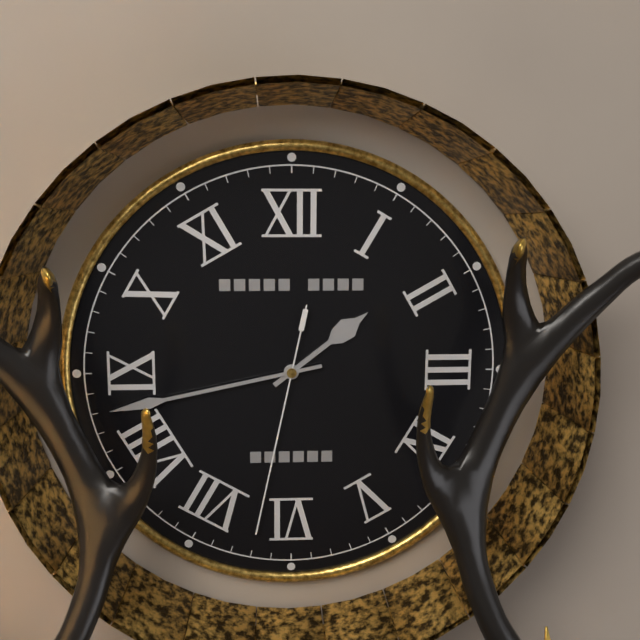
1:43:32
